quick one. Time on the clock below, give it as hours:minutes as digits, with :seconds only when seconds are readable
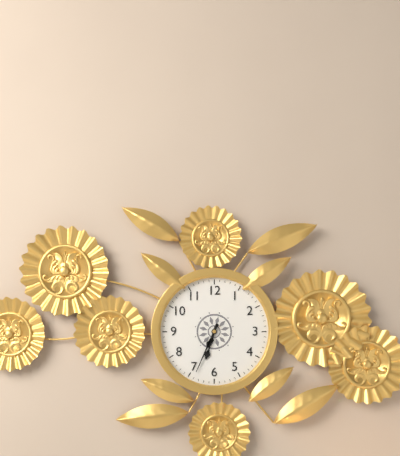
6:34
